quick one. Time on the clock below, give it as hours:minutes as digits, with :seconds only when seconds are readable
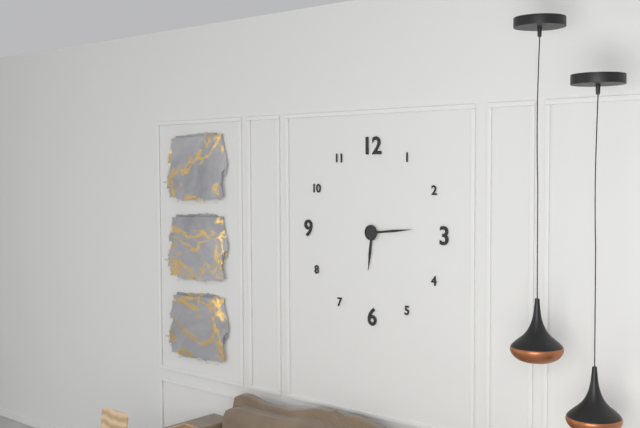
6:14
